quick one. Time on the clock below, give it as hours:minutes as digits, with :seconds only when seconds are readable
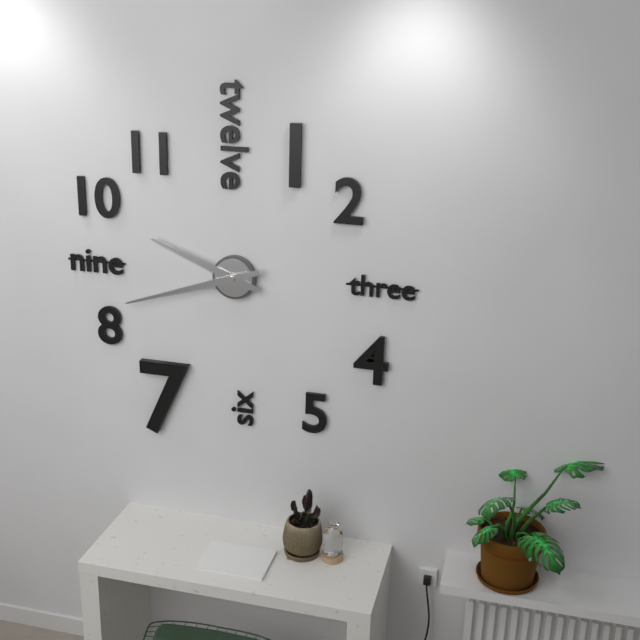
9:42
